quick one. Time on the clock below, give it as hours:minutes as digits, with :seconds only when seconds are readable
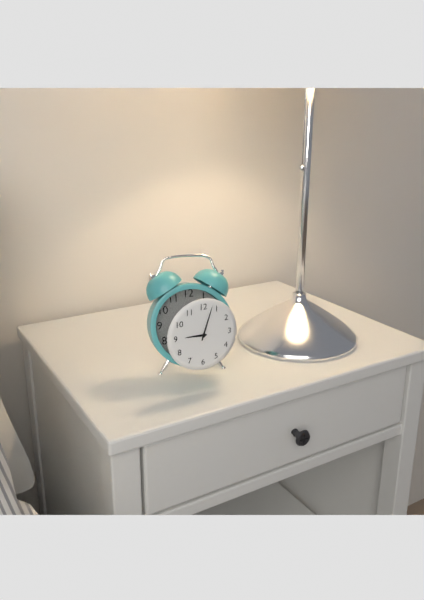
9:03
